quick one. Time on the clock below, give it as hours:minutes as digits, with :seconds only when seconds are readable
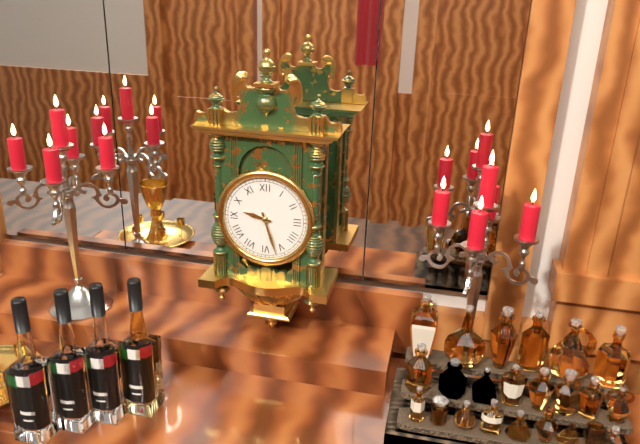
9:27
